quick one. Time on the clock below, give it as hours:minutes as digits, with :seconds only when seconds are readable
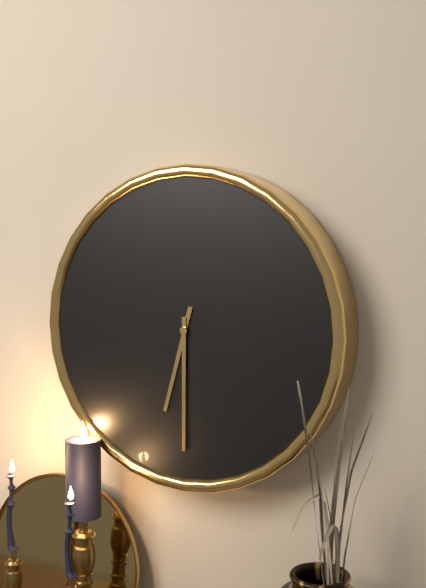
6:30
